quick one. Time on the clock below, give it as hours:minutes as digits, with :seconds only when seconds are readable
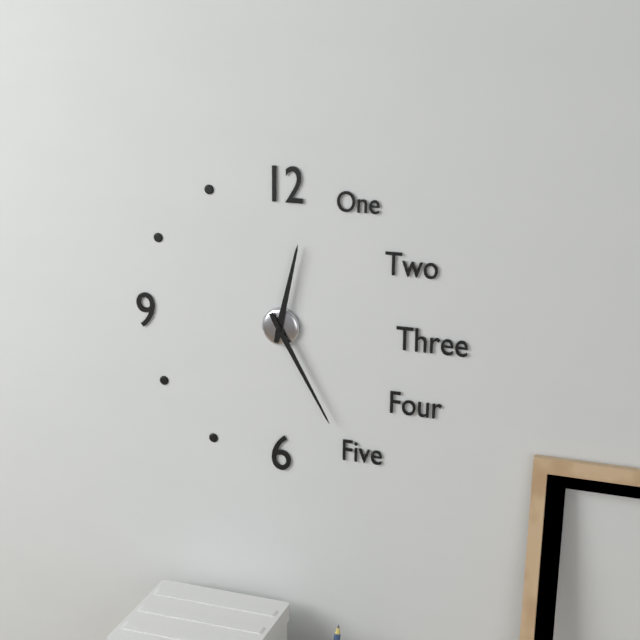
12:25
